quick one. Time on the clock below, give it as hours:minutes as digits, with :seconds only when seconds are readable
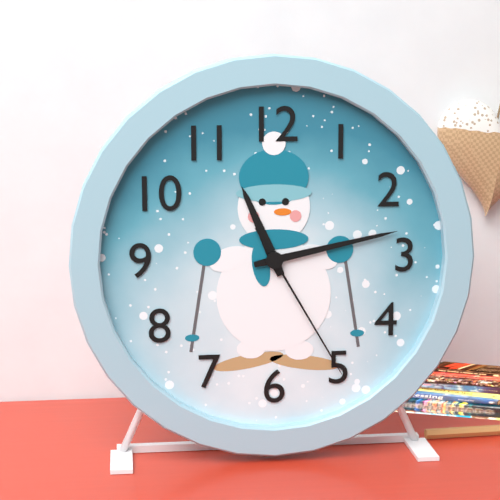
11:13:25
